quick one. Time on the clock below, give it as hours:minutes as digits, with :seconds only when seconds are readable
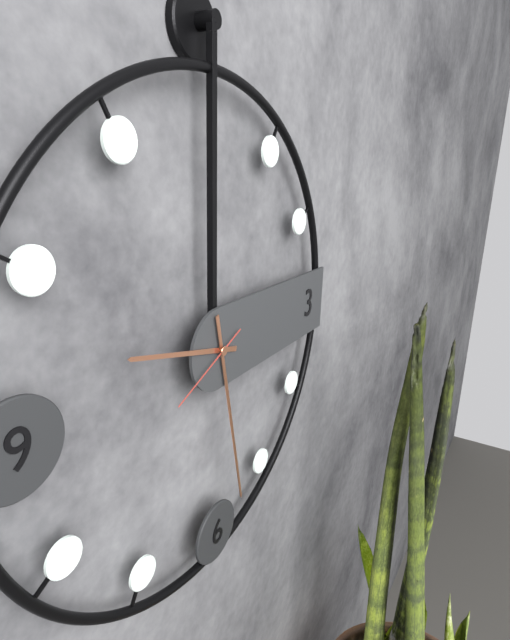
9:28:41
